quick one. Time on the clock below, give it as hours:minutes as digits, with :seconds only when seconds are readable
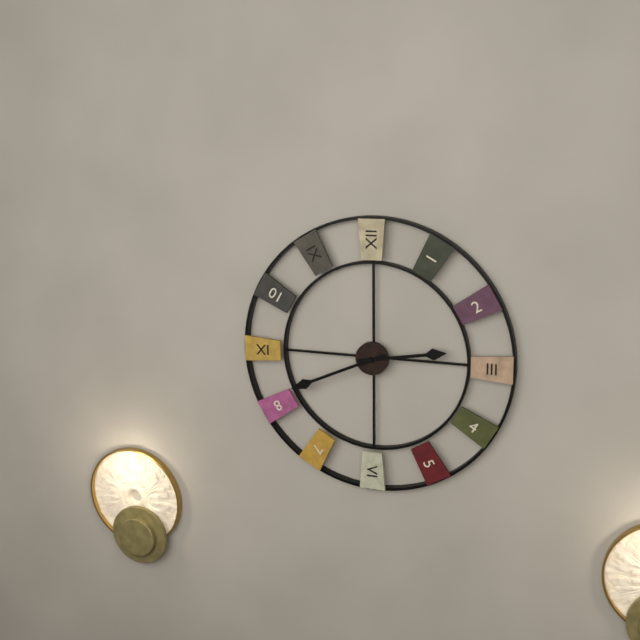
2:41
